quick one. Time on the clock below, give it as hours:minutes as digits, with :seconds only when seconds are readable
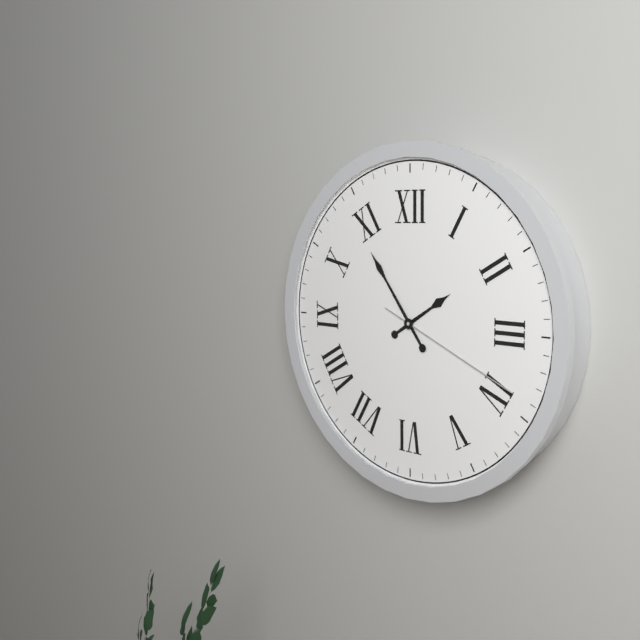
1:54:19
